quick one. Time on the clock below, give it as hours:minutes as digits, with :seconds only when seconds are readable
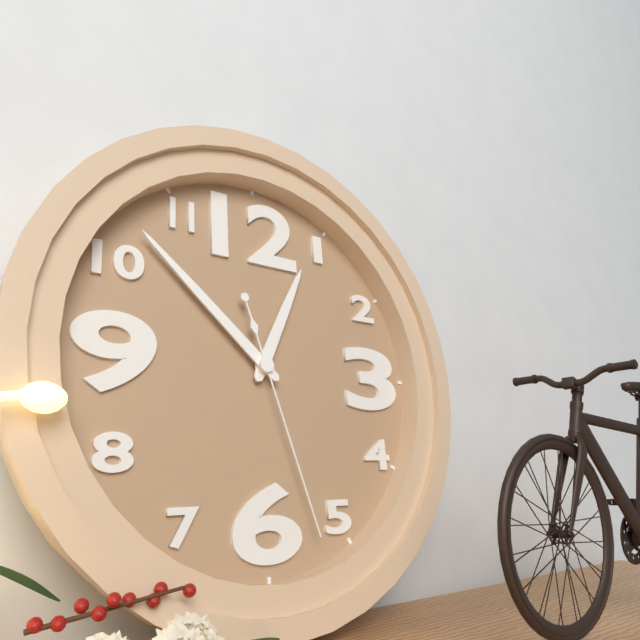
12:52:27
